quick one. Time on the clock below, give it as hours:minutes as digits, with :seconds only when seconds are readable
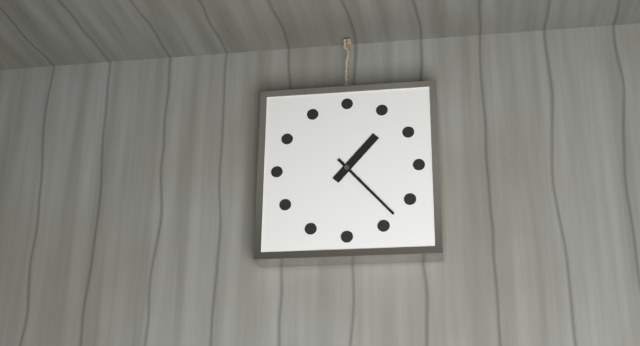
1:23
